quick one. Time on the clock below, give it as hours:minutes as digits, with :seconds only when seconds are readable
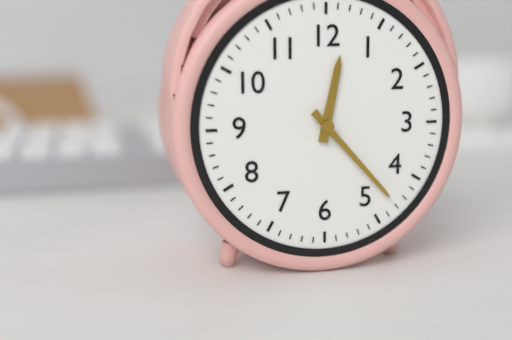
12:23
